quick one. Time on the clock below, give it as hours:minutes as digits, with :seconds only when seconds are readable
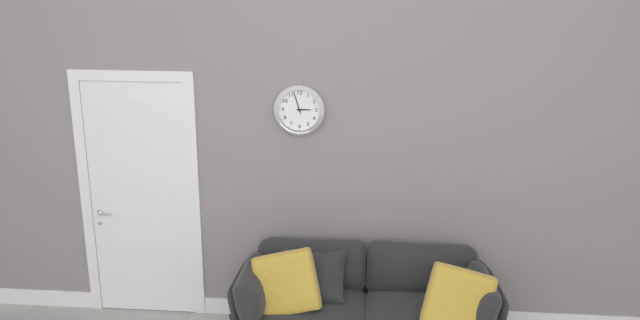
2:57
